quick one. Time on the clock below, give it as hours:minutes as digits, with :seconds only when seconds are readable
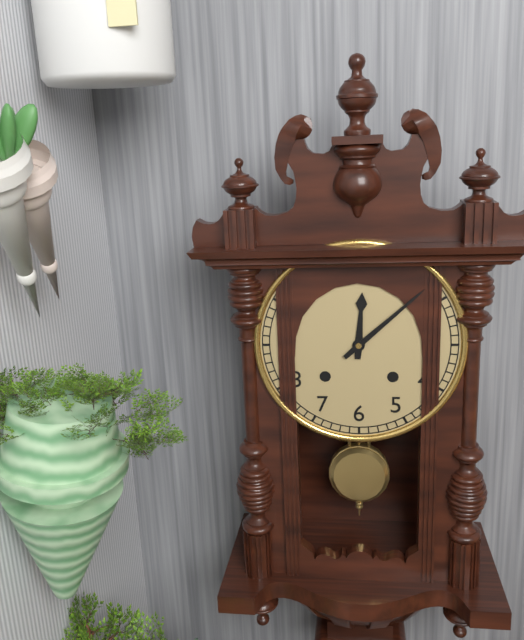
12:08
